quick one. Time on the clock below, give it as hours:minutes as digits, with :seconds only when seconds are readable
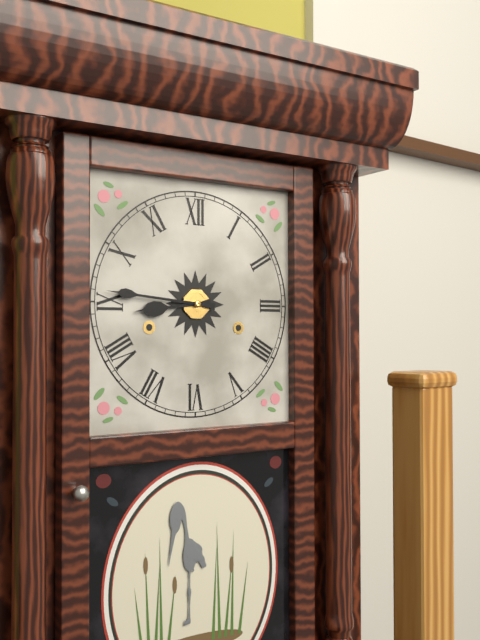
8:46
